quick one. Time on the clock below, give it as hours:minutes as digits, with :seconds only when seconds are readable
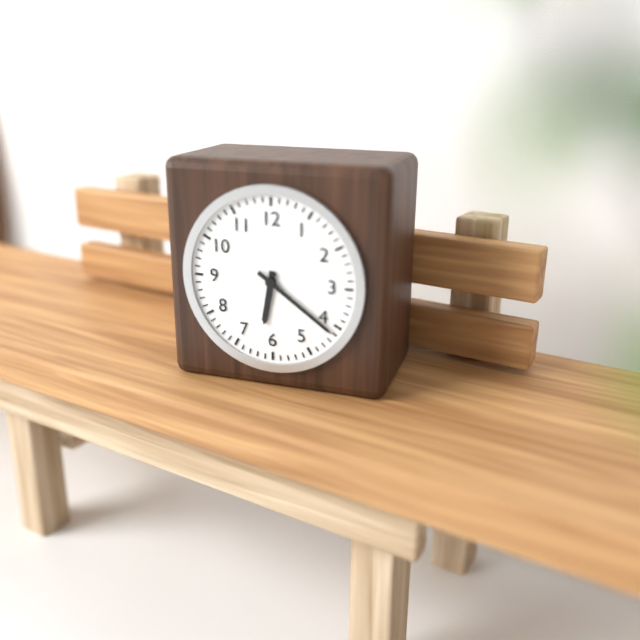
6:21
